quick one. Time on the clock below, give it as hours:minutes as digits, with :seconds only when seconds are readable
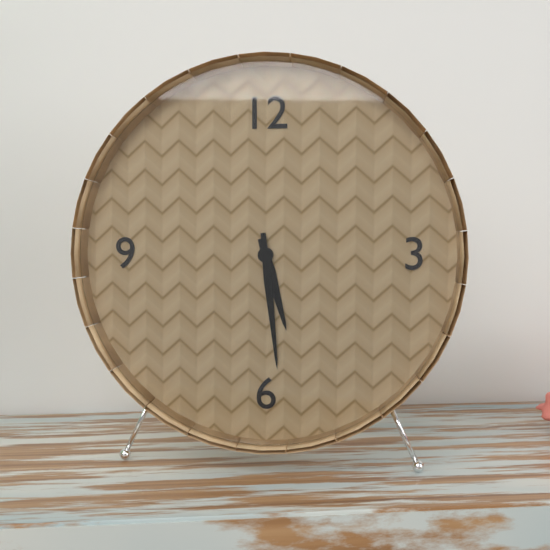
5:29
